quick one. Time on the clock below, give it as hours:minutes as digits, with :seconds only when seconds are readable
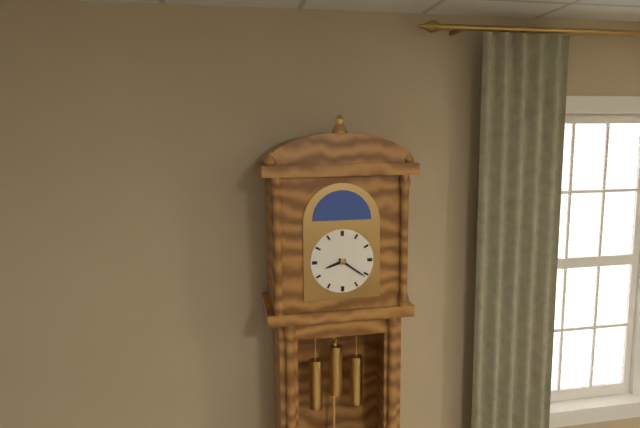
8:21
